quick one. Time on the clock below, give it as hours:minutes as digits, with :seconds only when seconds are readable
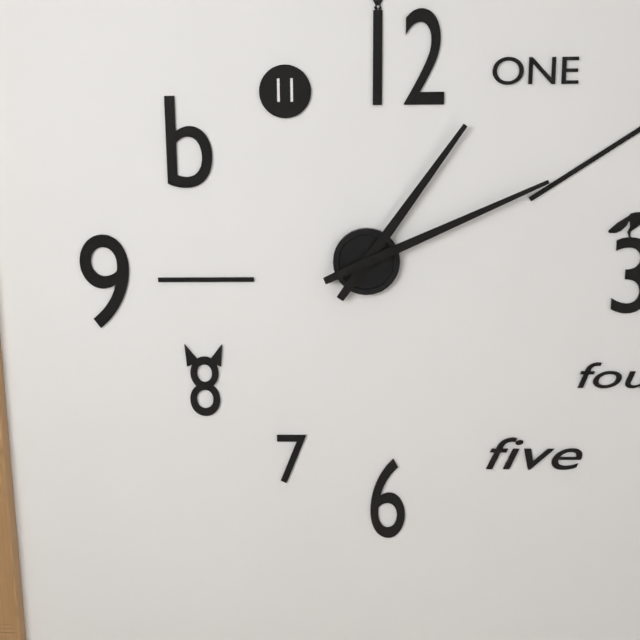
1:11
